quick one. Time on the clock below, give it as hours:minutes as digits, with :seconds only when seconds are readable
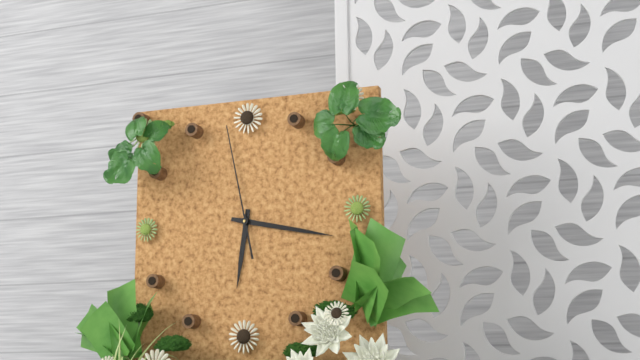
6:17:58
